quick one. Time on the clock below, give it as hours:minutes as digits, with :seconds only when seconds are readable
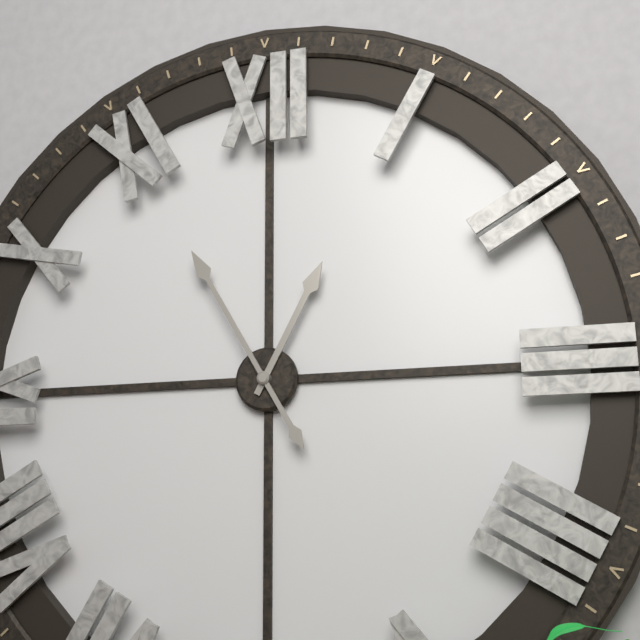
12:55
